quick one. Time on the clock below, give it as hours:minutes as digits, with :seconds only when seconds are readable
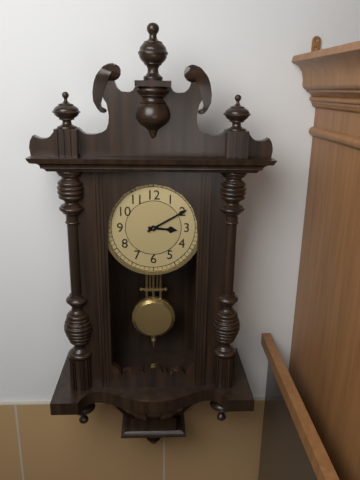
3:10
